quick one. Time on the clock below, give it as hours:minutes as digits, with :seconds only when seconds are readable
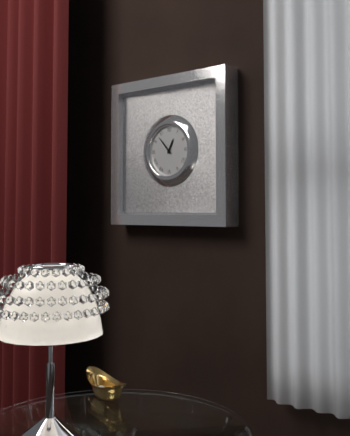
12:53
